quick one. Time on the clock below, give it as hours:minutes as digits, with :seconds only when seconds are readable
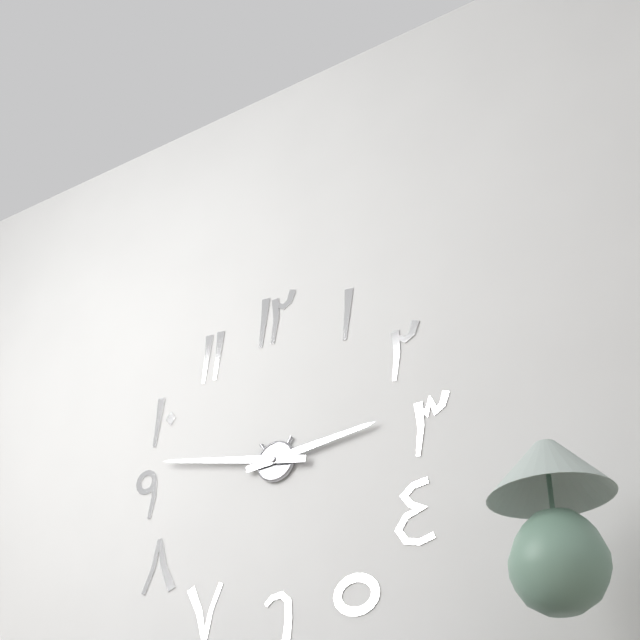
2:47
